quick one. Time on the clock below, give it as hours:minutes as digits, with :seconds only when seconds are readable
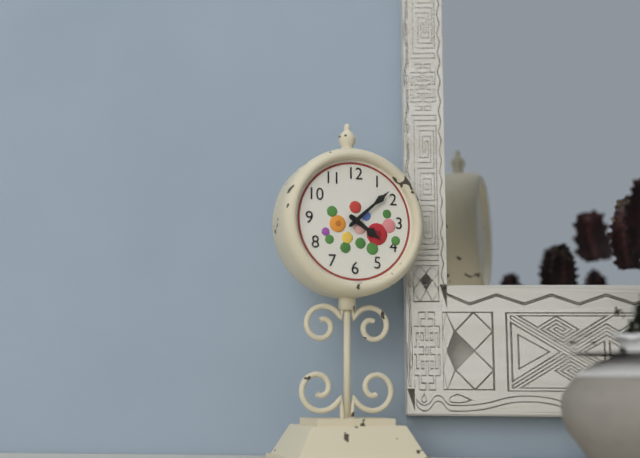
4:08
